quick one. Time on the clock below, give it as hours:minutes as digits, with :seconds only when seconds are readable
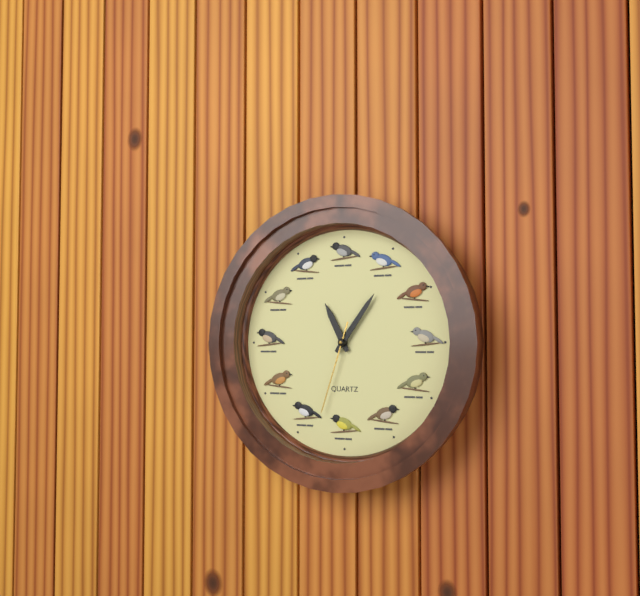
11:06:33
